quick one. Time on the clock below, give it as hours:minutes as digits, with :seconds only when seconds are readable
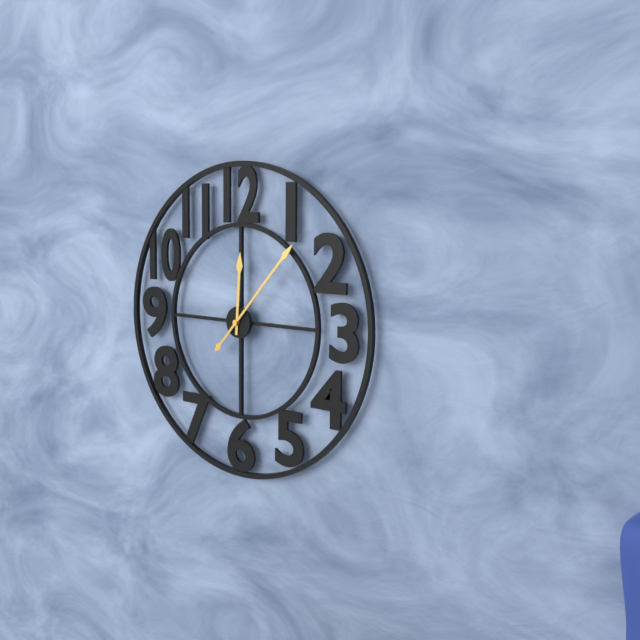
12:07
